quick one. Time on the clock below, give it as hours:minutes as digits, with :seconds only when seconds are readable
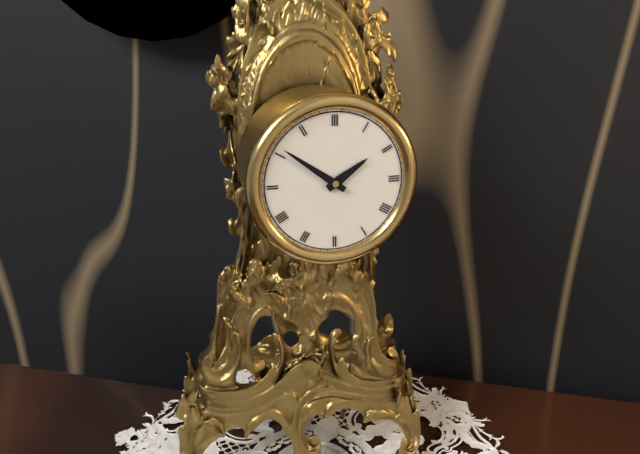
1:51
